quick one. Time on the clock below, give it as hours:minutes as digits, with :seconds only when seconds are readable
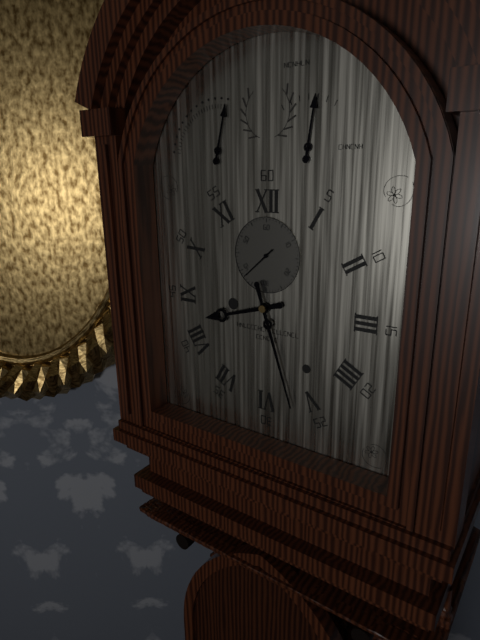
8:27
